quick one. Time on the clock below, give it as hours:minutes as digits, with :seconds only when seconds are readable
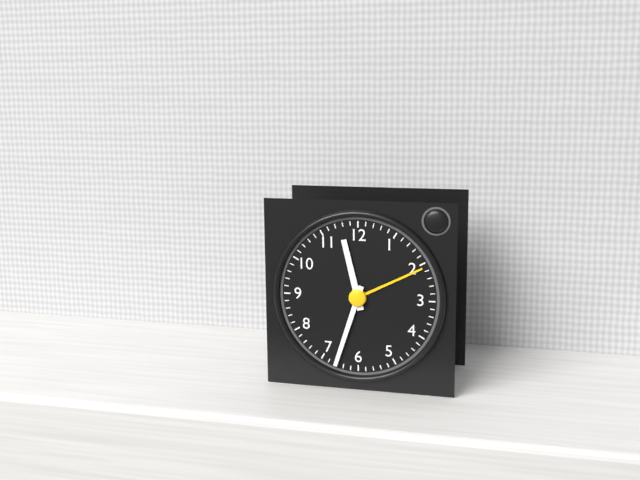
11:33
